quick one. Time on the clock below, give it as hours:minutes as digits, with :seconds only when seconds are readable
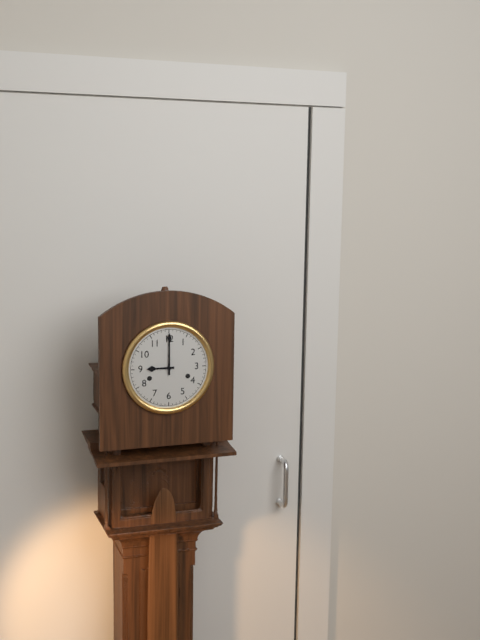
9:00
